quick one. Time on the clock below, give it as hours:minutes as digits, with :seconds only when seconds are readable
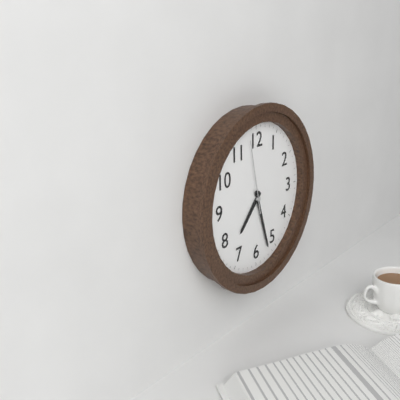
7:27:58
